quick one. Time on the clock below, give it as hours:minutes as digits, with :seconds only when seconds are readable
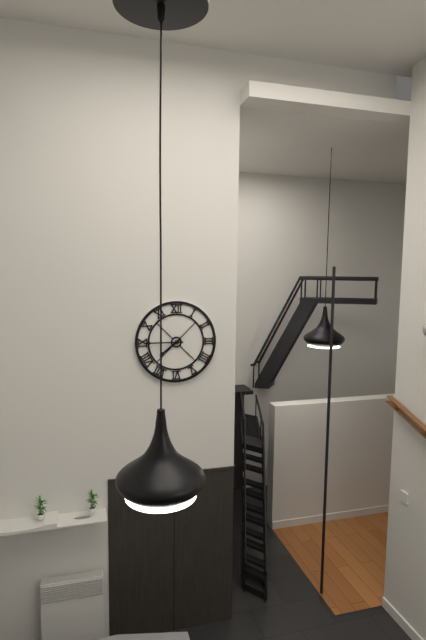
7:45
